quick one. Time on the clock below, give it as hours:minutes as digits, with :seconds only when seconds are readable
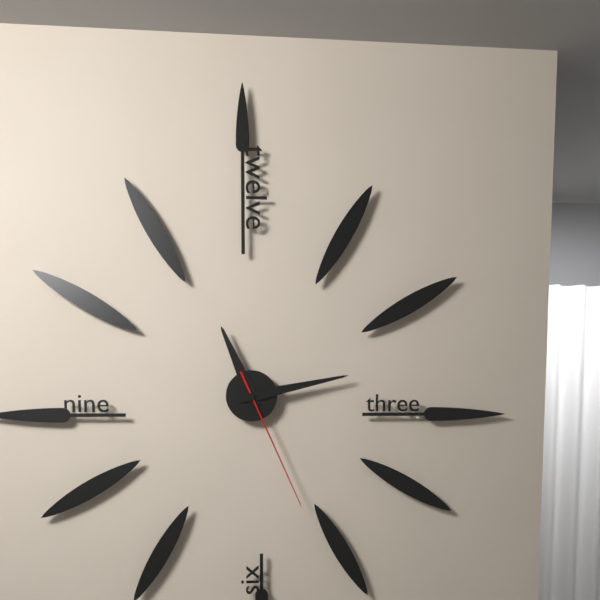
11:13:26
